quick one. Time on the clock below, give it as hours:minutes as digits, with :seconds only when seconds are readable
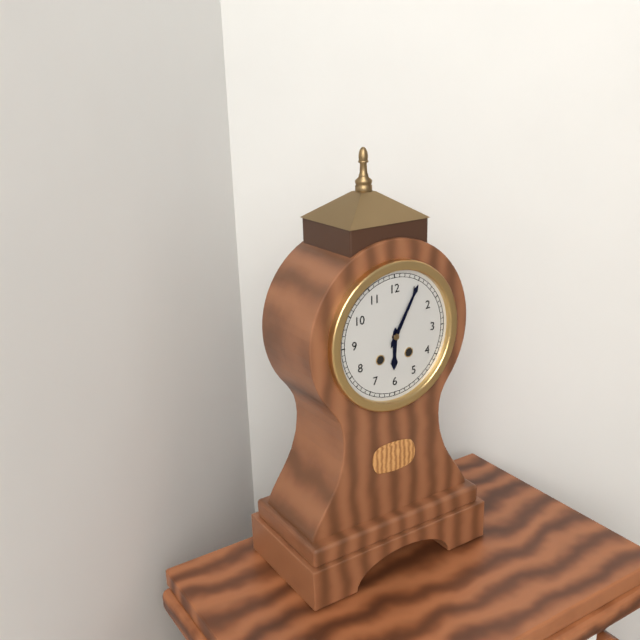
6:05
